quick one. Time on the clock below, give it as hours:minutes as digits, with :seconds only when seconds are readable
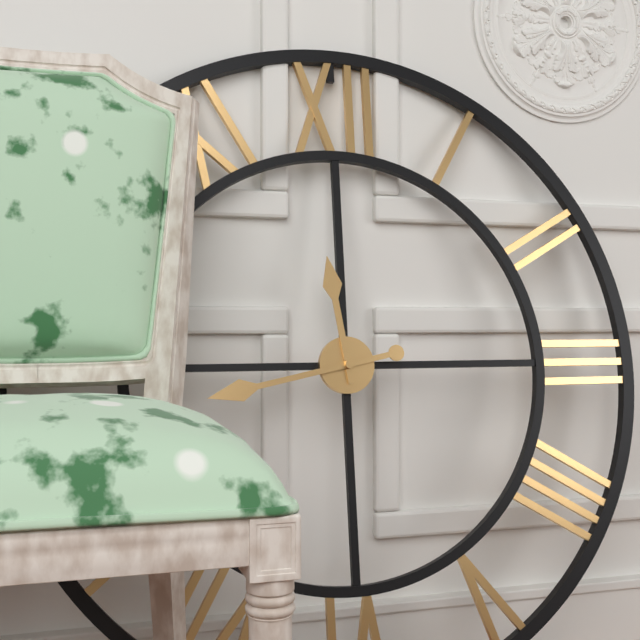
11:43
